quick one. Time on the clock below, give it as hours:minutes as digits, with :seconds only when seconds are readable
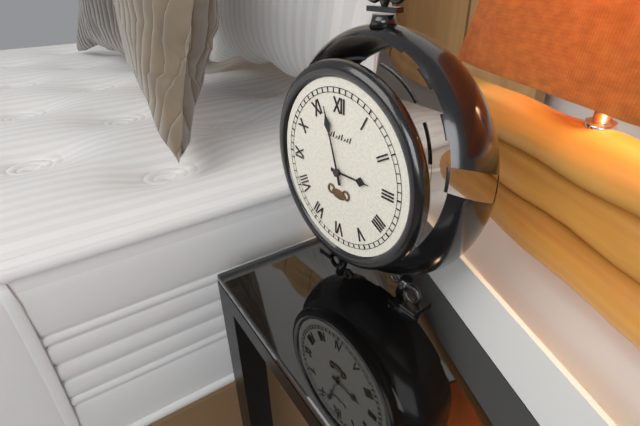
2:57
